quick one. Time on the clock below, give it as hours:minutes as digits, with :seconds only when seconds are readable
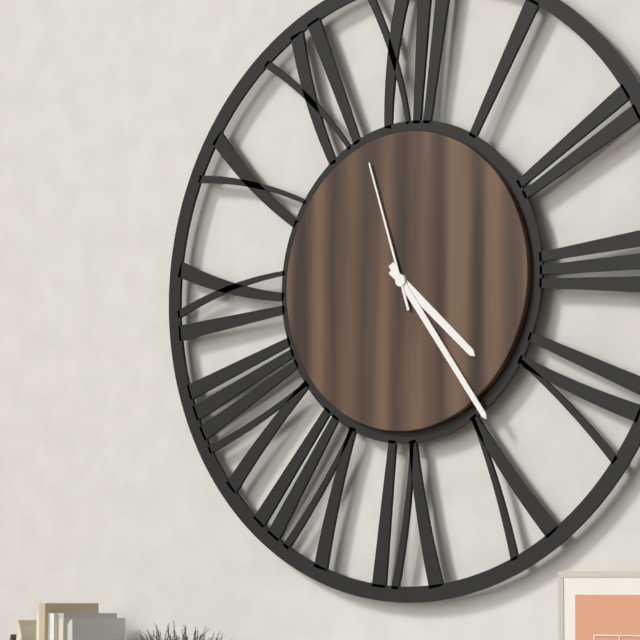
4:24:57
